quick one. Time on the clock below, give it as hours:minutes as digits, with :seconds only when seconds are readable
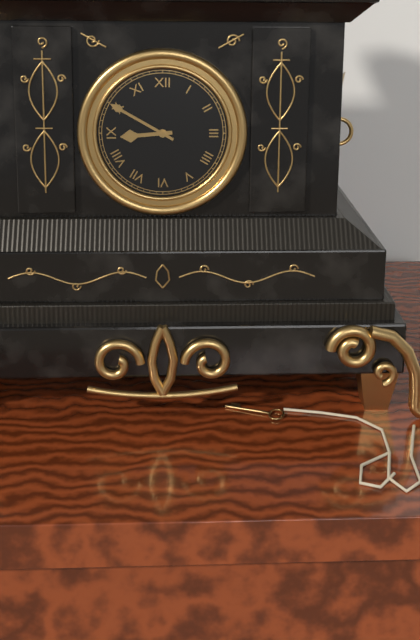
8:50
